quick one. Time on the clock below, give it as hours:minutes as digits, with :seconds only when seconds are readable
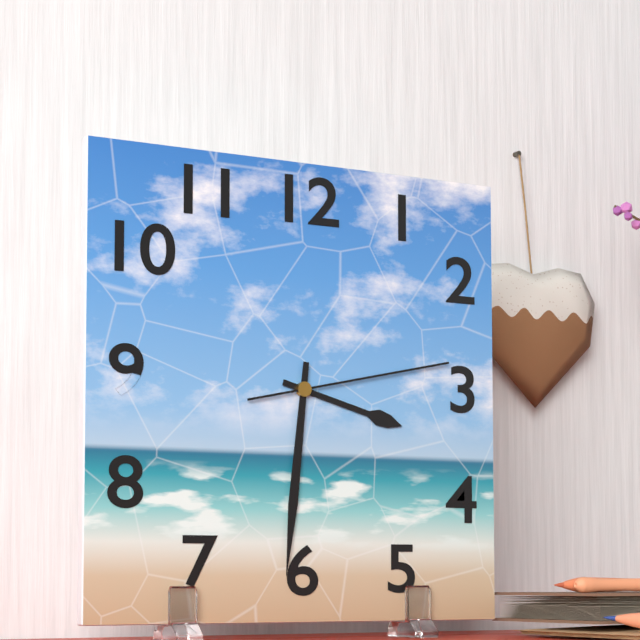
3:31:13
